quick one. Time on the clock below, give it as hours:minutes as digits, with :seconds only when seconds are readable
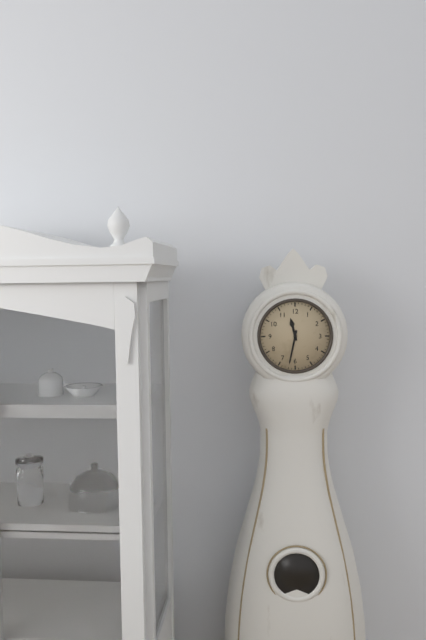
11:32
